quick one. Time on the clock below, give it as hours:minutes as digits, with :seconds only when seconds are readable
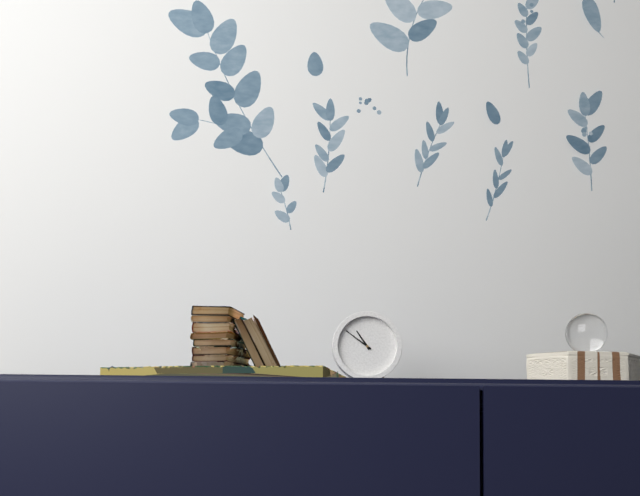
10:51
